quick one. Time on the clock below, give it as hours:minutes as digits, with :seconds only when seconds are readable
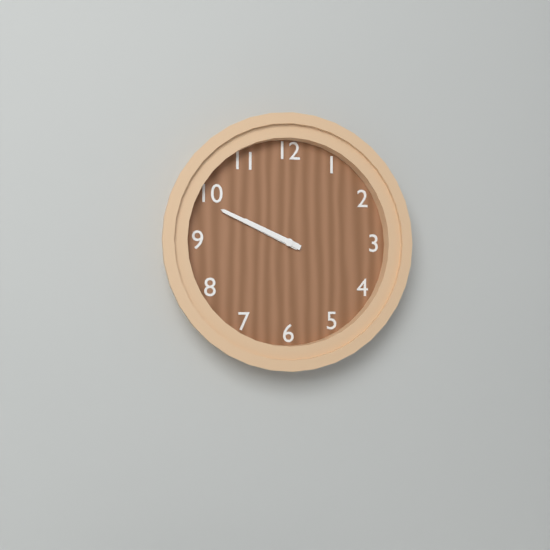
9:49
